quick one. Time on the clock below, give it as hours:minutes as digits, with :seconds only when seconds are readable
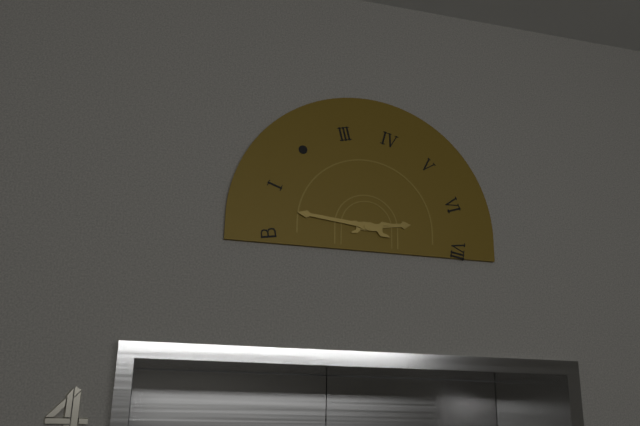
2:46
